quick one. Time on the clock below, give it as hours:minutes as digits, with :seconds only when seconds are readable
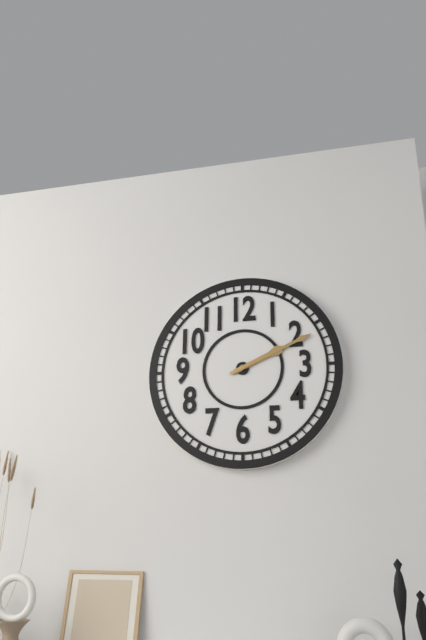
2:11
